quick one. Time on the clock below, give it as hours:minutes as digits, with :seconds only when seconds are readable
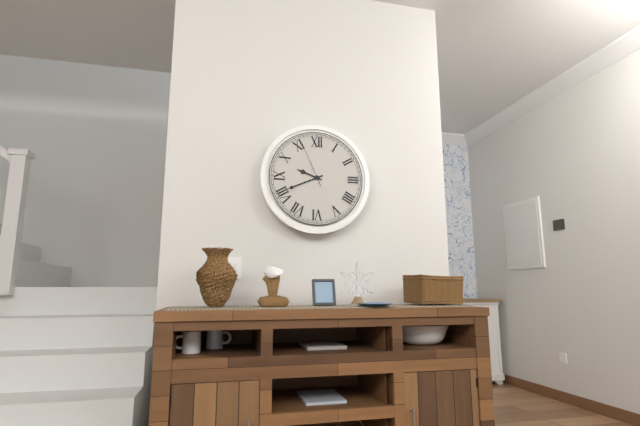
9:41
